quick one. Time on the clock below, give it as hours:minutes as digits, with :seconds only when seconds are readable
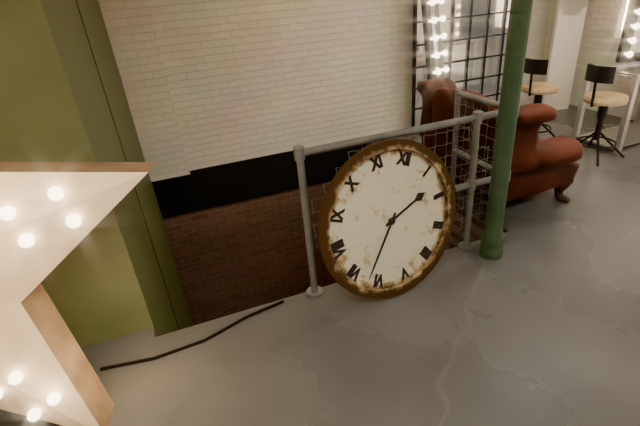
1:32
